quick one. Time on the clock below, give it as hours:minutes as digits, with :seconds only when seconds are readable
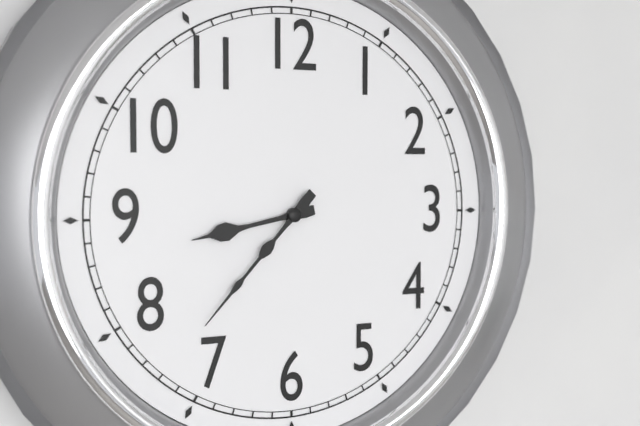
8:37
